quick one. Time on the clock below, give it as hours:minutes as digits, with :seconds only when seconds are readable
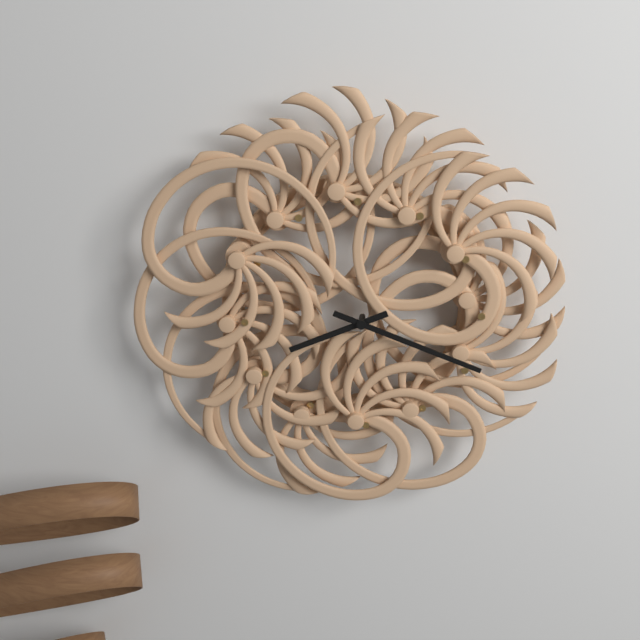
8:19
